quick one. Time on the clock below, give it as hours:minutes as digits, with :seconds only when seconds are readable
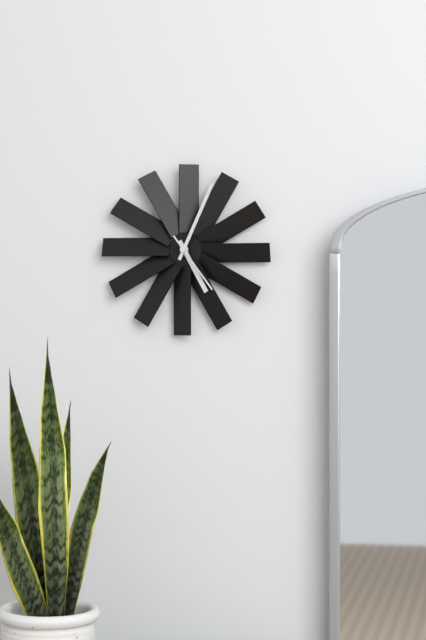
5:04:24
